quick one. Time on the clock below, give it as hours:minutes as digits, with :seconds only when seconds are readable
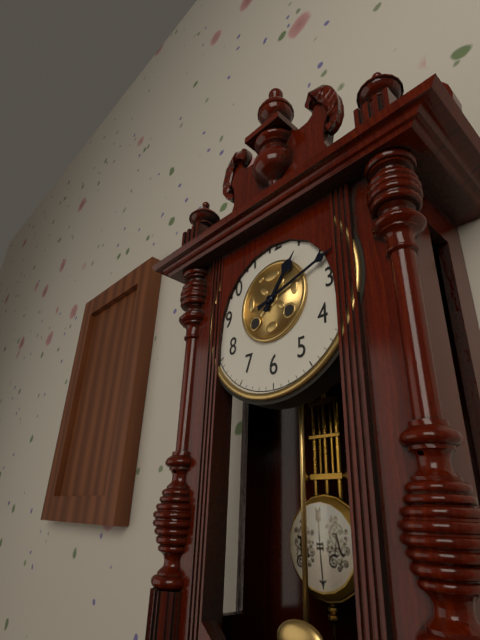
1:12
